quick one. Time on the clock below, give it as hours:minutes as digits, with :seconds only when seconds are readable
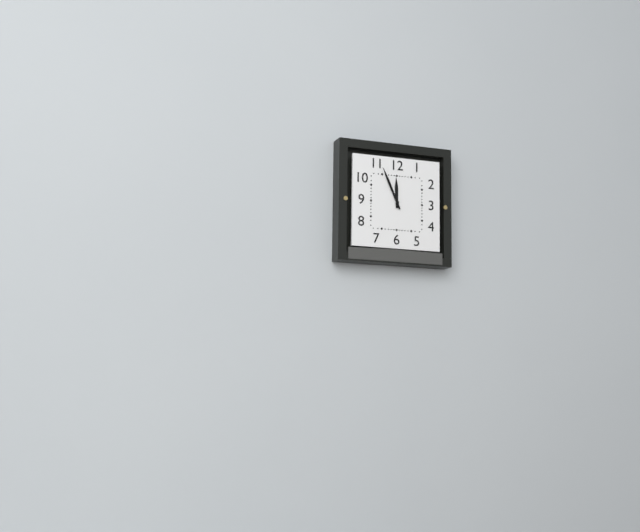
11:56
